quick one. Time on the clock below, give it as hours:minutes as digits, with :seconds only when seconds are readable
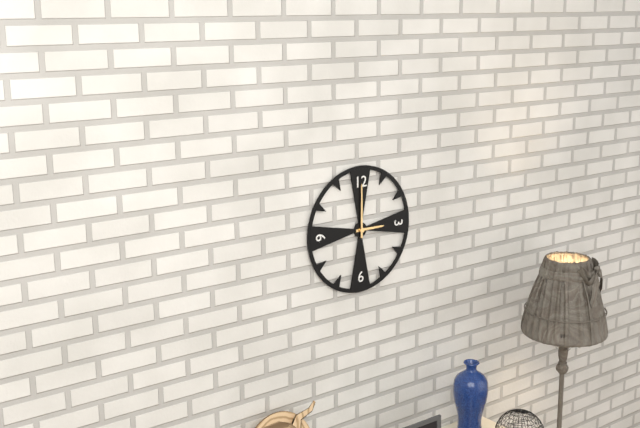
3:00
